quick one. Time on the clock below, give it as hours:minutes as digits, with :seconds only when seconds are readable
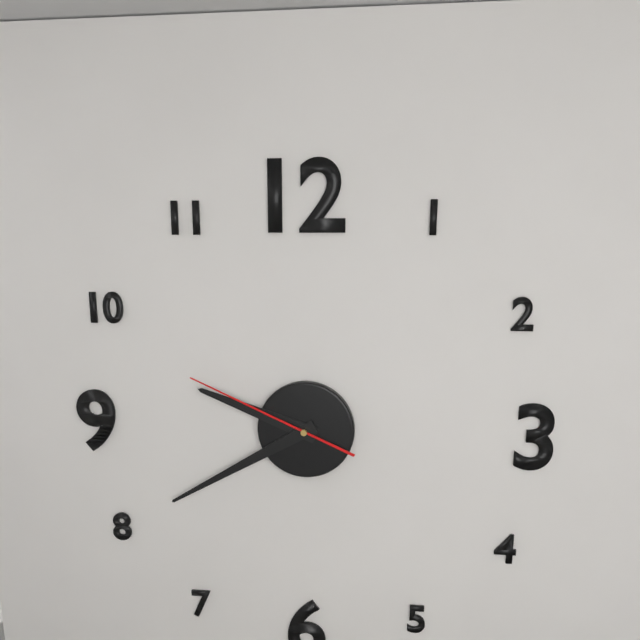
9:40:49
